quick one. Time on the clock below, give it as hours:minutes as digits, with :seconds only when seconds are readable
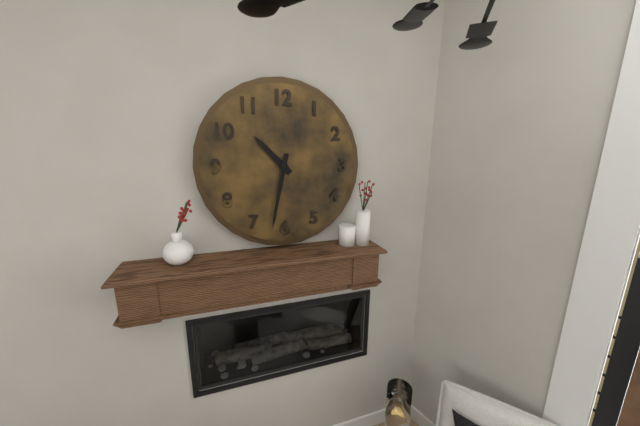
10:32
